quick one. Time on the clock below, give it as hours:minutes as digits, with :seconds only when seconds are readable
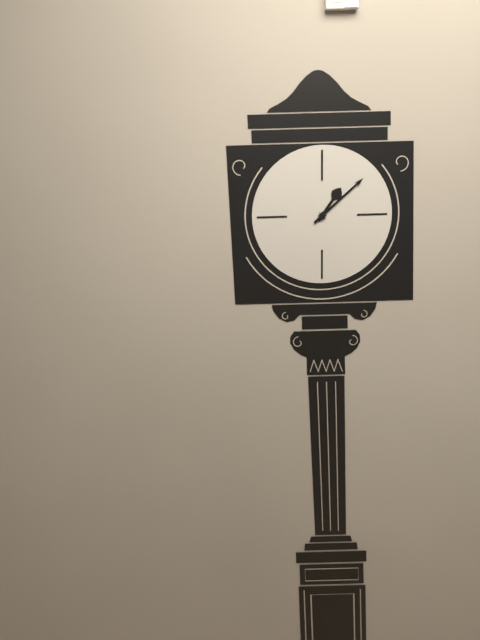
1:08
